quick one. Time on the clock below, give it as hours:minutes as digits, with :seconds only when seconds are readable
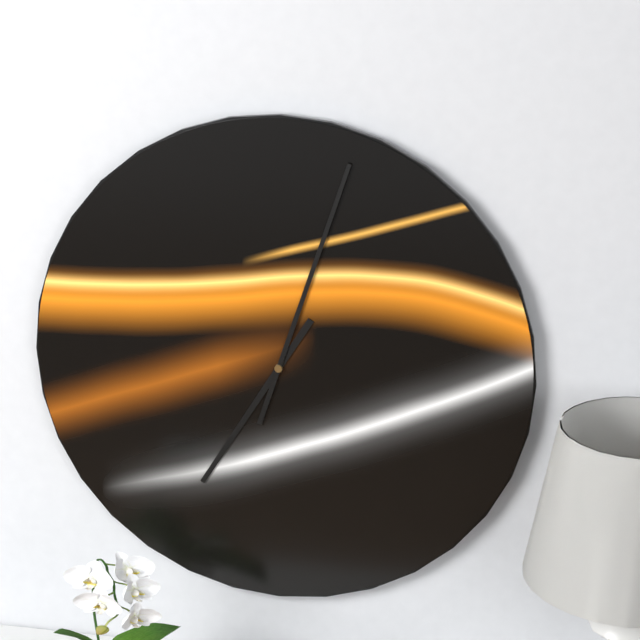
7:03
